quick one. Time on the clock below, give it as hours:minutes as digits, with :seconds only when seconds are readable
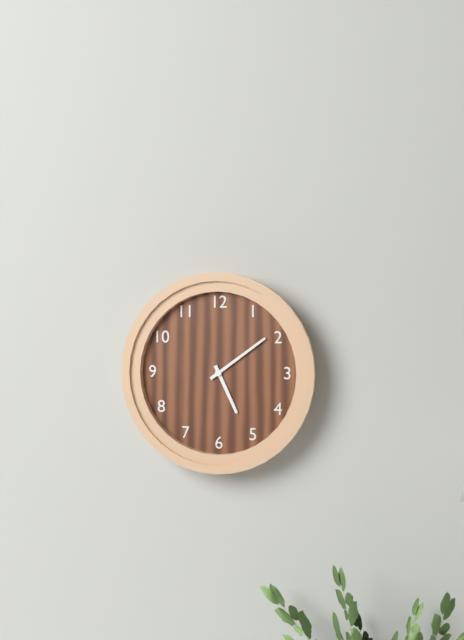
5:09
